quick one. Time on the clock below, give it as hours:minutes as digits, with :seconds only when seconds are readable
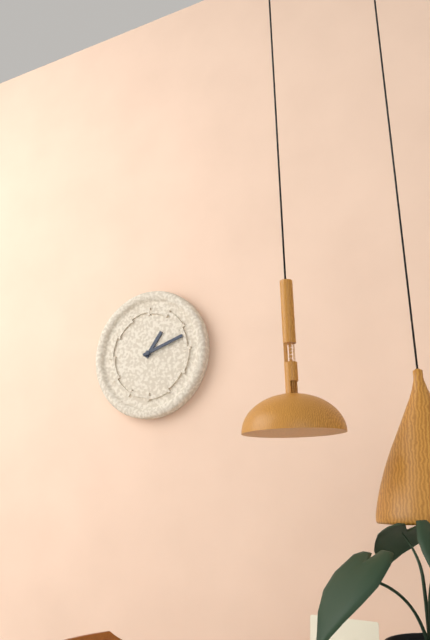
1:12
